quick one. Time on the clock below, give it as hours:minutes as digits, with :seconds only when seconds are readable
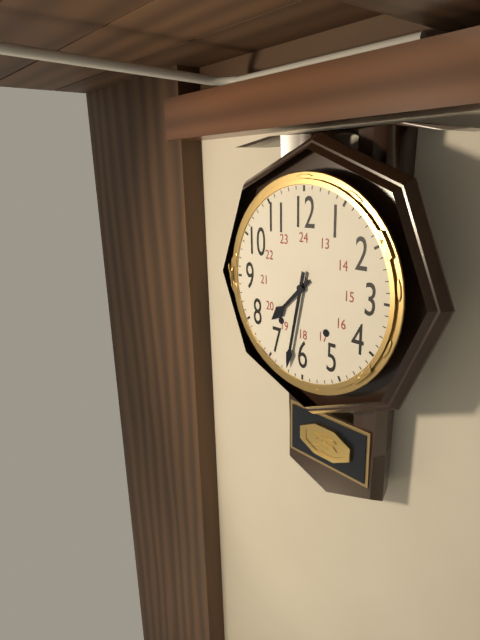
7:32
